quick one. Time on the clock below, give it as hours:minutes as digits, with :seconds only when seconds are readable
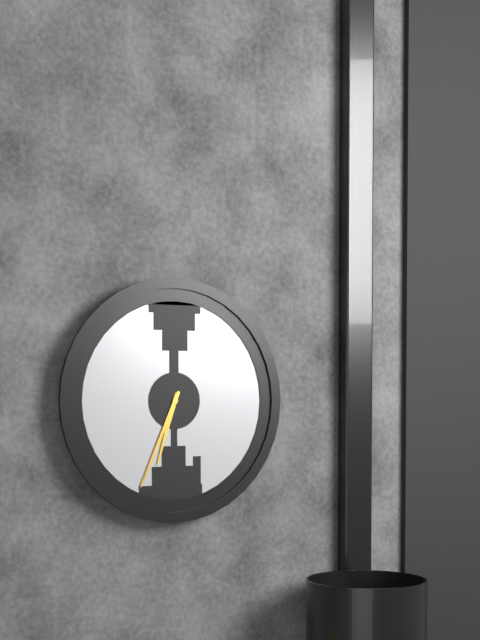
6:34
